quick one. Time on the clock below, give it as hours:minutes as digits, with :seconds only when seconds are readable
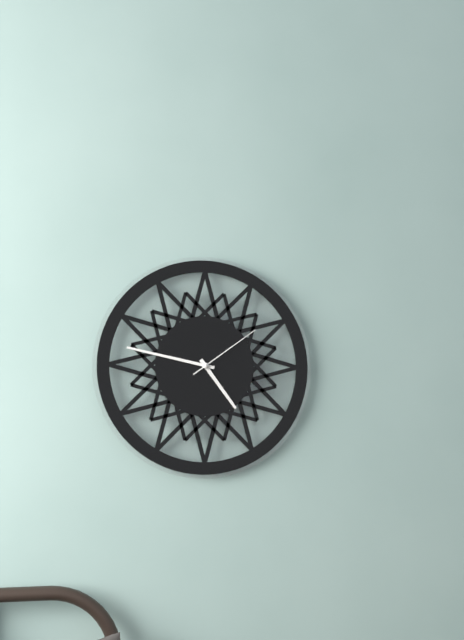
4:47:09
